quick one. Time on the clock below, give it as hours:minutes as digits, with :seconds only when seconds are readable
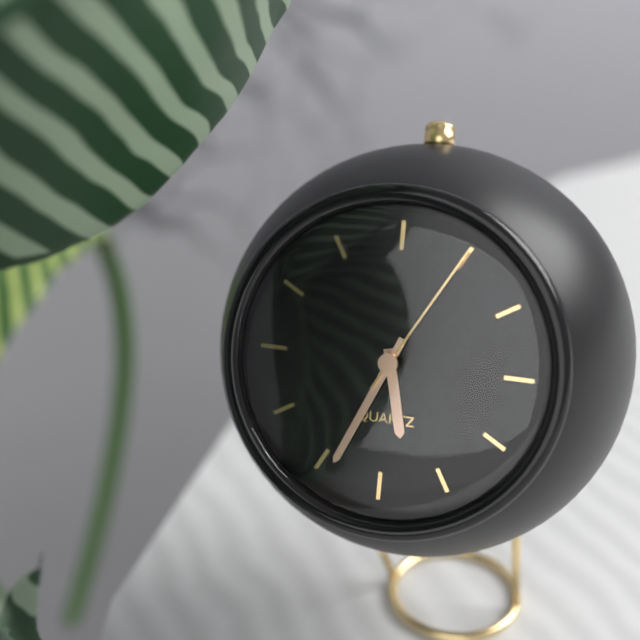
5:34:05
